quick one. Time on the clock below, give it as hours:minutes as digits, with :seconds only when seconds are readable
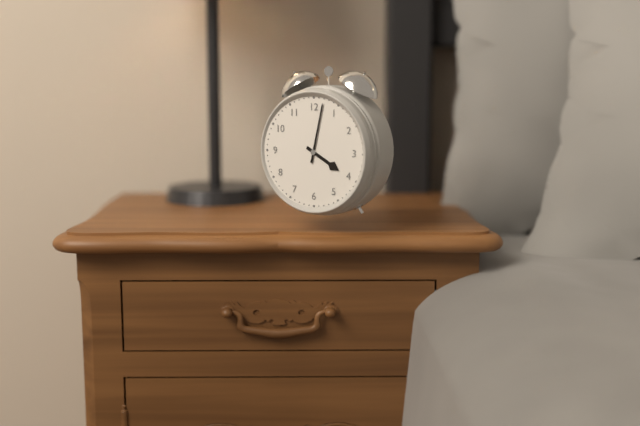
4:02
